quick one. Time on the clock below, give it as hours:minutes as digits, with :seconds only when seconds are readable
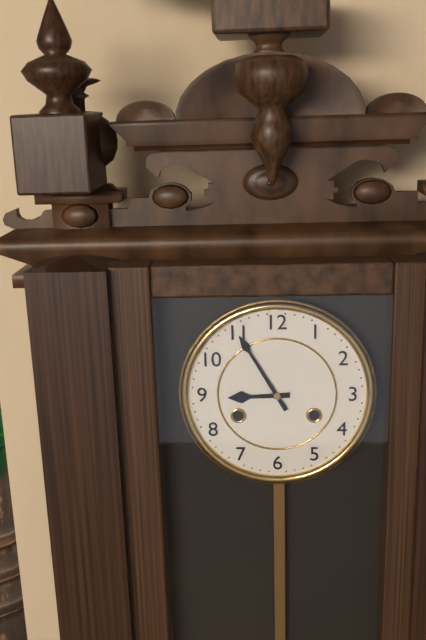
8:55
